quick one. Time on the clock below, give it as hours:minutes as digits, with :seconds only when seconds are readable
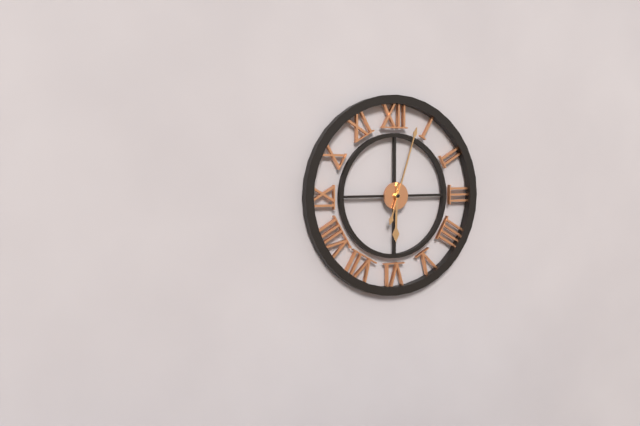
6:03
